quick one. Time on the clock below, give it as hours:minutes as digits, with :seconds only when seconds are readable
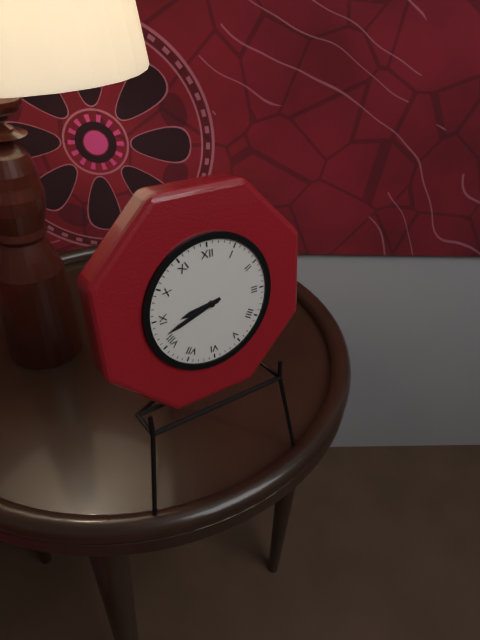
8:42
